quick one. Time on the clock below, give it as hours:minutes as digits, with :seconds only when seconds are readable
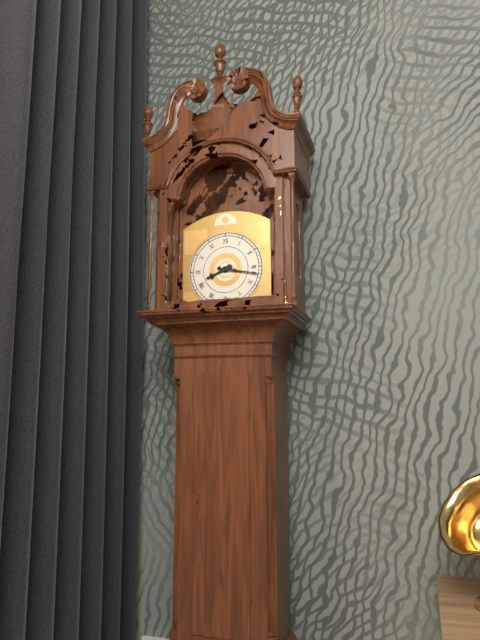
8:17
